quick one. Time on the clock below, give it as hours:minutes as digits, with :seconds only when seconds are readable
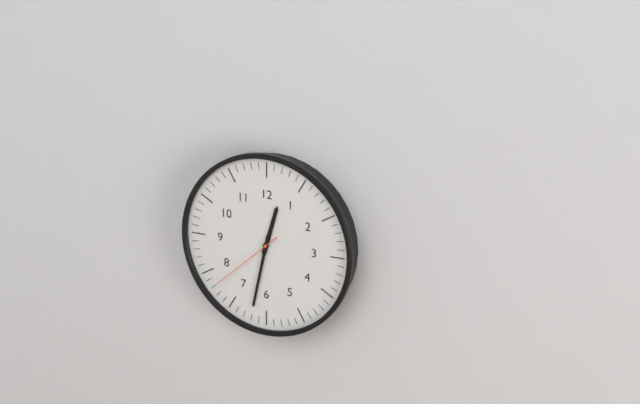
12:32:38
